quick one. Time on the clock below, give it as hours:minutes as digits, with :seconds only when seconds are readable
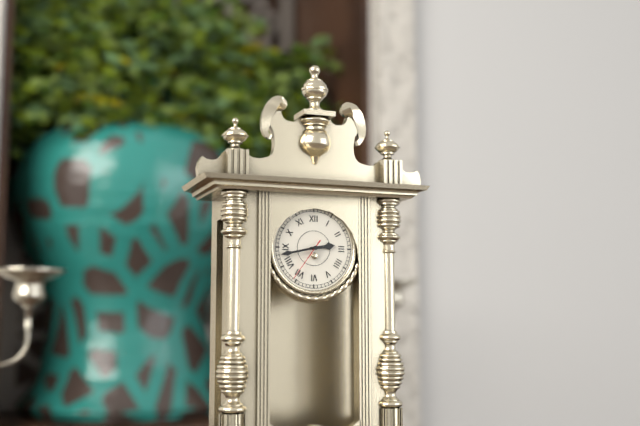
2:43
